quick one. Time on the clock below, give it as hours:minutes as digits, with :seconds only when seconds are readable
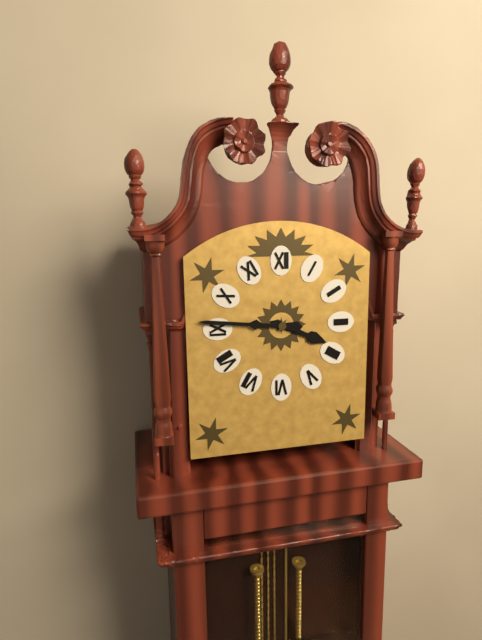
3:46
